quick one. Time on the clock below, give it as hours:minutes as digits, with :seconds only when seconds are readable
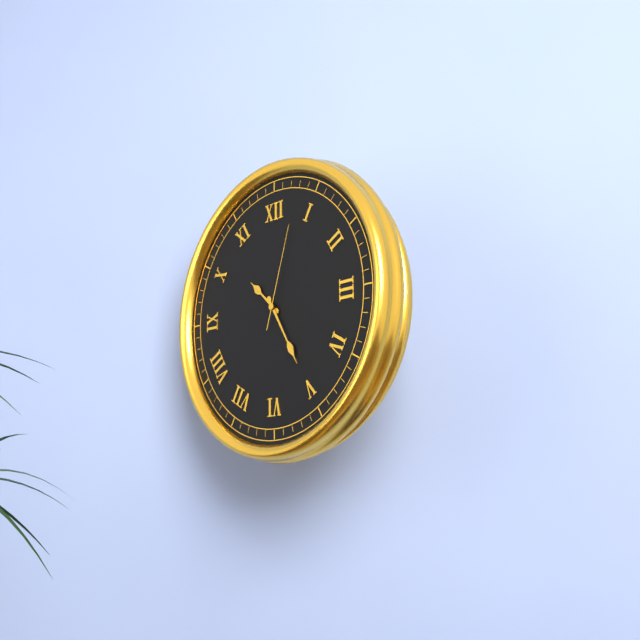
10:25:03
